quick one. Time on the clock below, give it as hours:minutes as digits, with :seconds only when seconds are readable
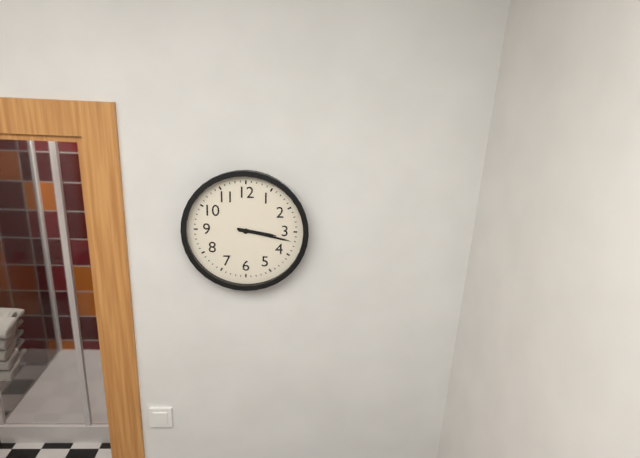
3:17
